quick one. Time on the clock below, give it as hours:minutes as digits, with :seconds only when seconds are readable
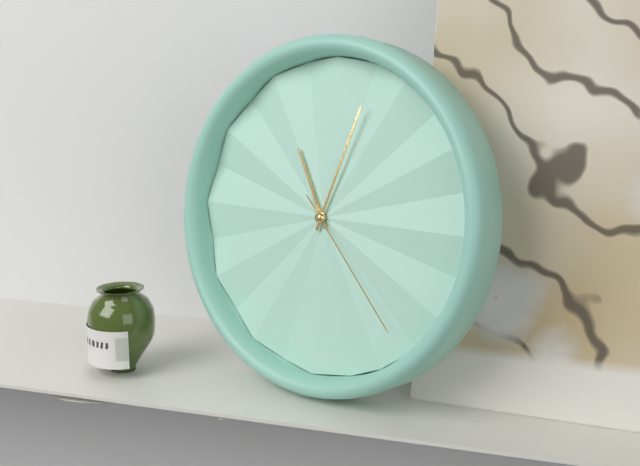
11:03:23
